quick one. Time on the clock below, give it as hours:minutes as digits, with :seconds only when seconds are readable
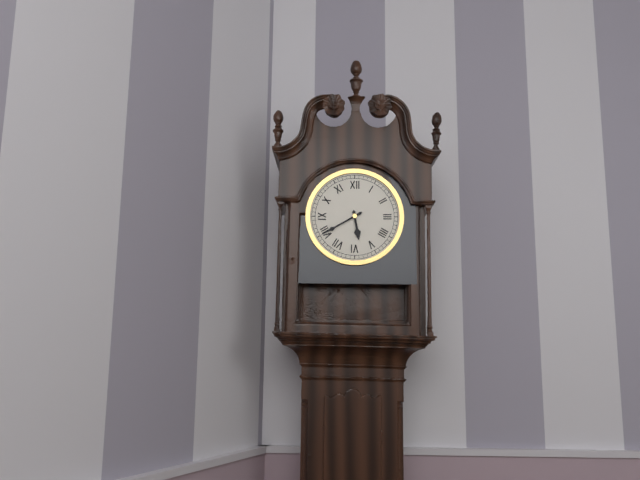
5:40
